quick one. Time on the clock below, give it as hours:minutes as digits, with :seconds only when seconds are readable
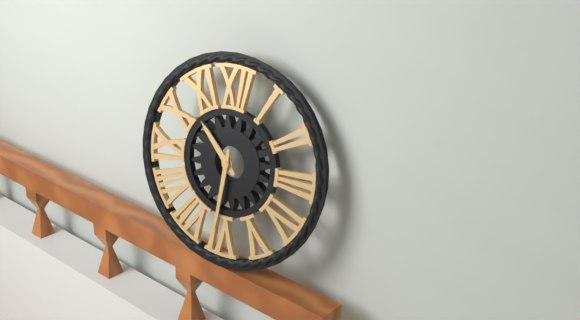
10:31
